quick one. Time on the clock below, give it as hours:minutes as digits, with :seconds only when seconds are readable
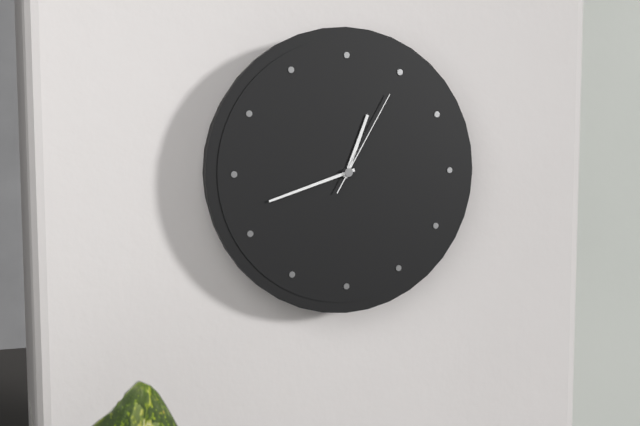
12:42:05
